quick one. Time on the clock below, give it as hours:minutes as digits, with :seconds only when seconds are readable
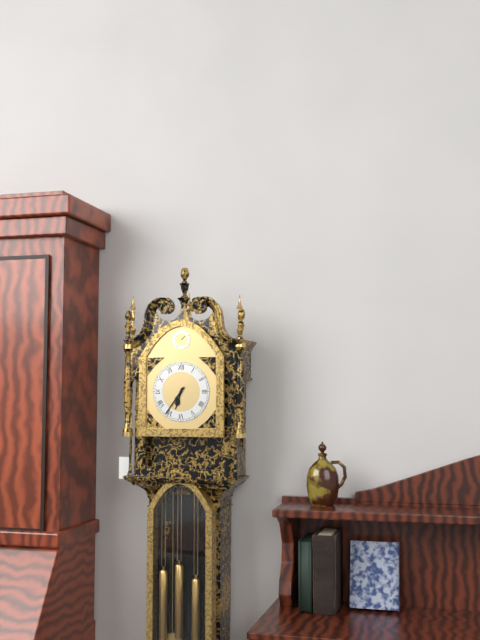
6:36
